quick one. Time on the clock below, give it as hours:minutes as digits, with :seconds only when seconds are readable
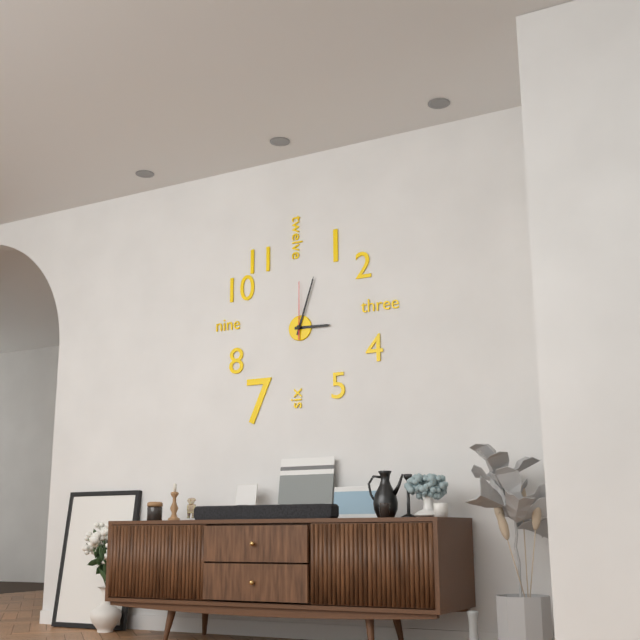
3:03:00
